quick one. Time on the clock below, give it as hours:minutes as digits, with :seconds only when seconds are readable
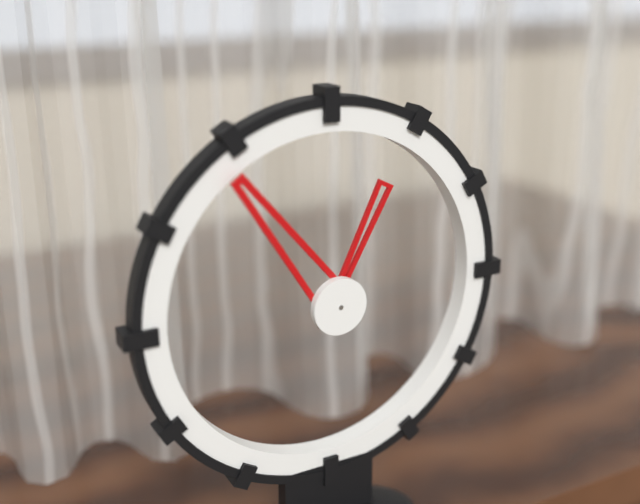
12:54
